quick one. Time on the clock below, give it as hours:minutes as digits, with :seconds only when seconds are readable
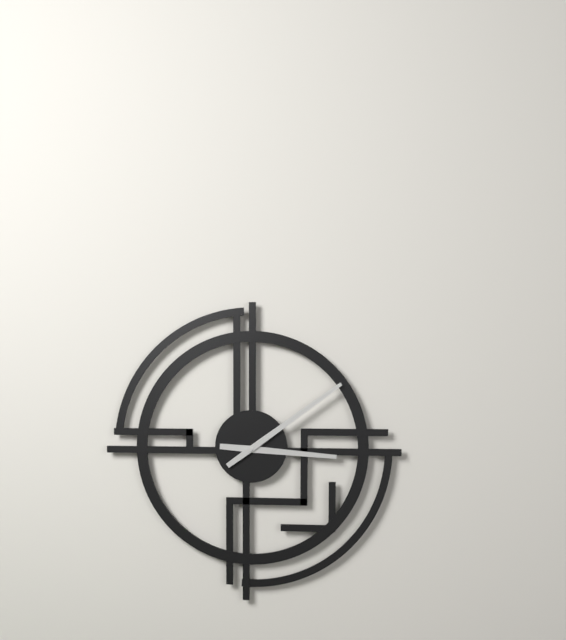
3:09
